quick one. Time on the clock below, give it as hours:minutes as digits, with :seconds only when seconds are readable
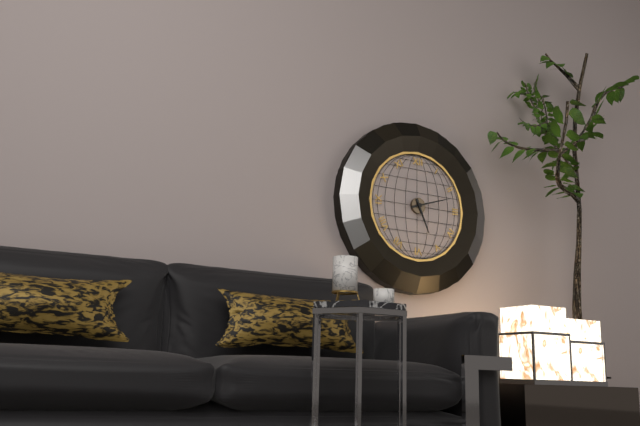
5:12
